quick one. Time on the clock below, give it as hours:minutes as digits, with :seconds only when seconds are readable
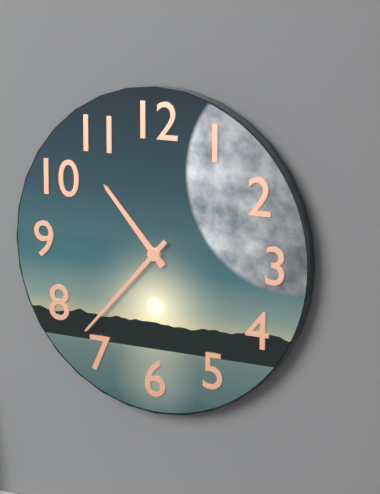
10:37
